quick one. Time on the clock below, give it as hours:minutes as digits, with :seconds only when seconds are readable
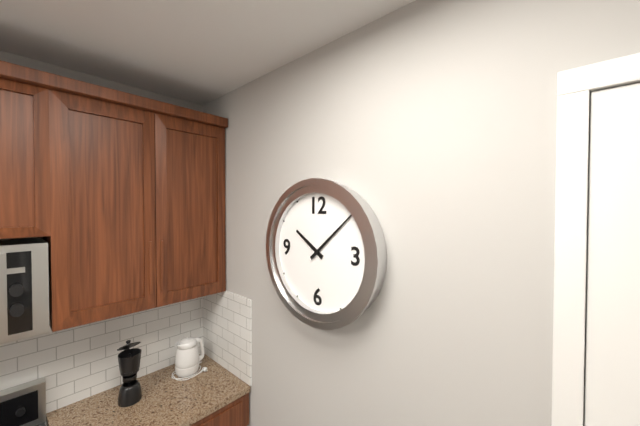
10:08
